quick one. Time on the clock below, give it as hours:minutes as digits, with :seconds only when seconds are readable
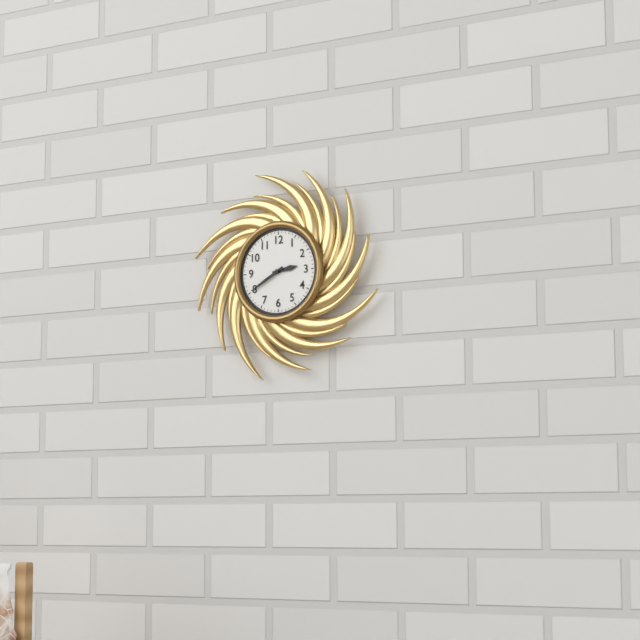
2:40
